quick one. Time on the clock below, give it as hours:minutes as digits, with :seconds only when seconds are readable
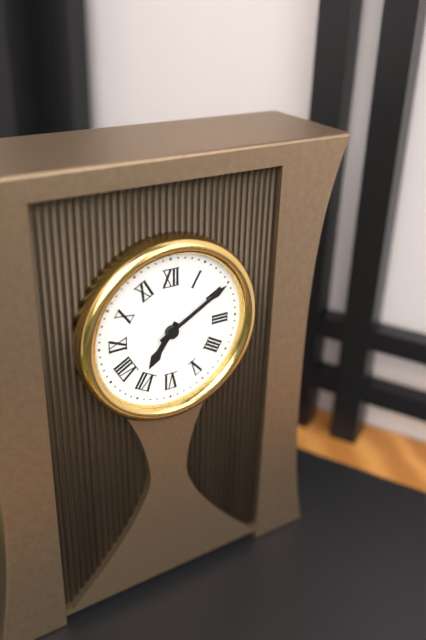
7:10
